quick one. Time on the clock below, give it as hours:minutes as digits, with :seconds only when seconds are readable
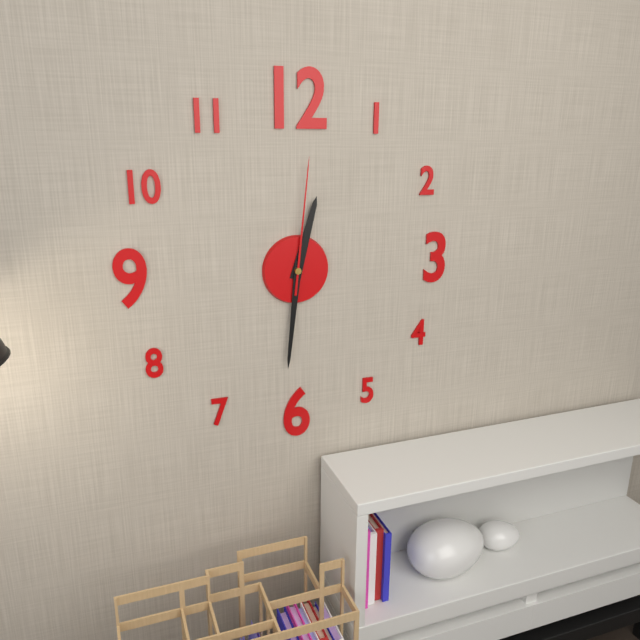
12:31:01
